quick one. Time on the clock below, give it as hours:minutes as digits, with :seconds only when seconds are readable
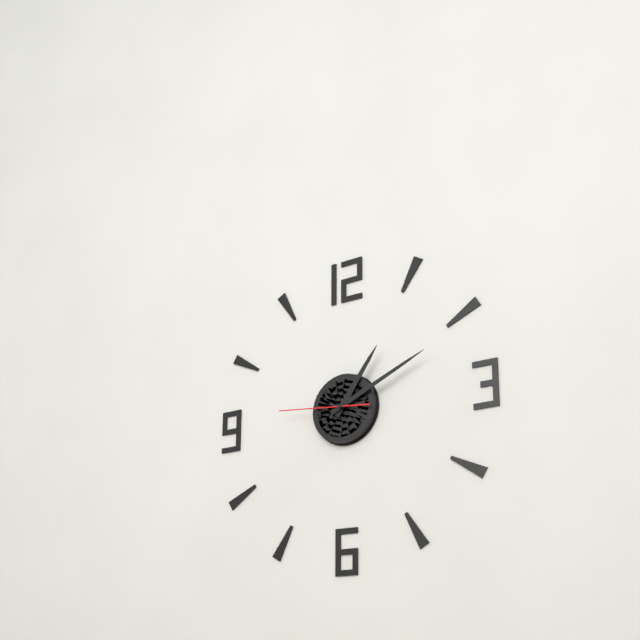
1:11:46
